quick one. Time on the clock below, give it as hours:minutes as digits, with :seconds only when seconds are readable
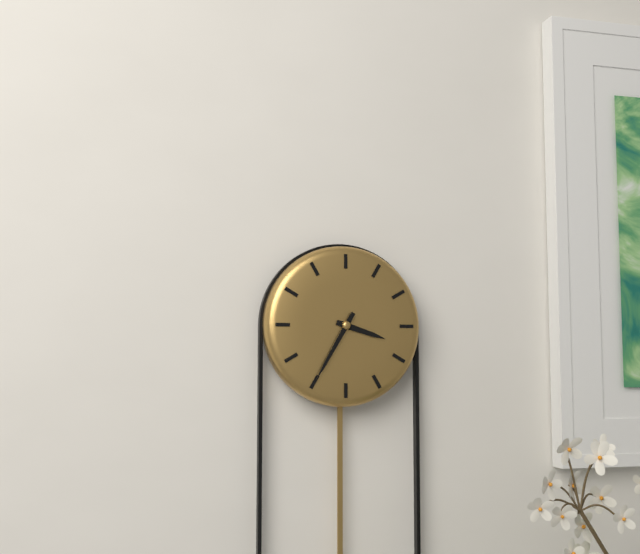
3:35
